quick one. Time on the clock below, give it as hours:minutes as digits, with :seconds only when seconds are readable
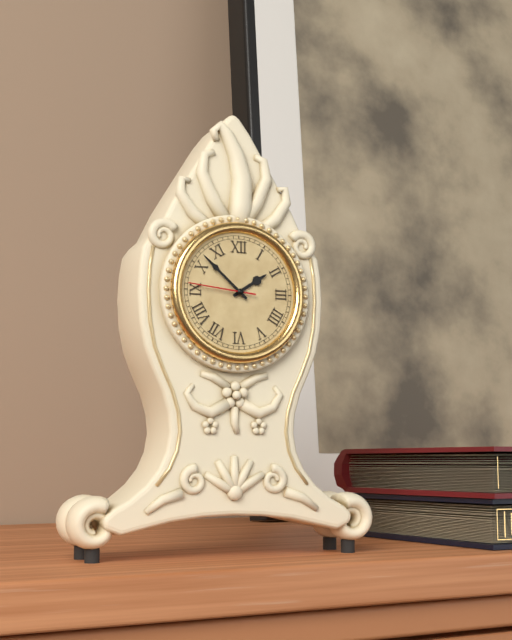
1:52:46
